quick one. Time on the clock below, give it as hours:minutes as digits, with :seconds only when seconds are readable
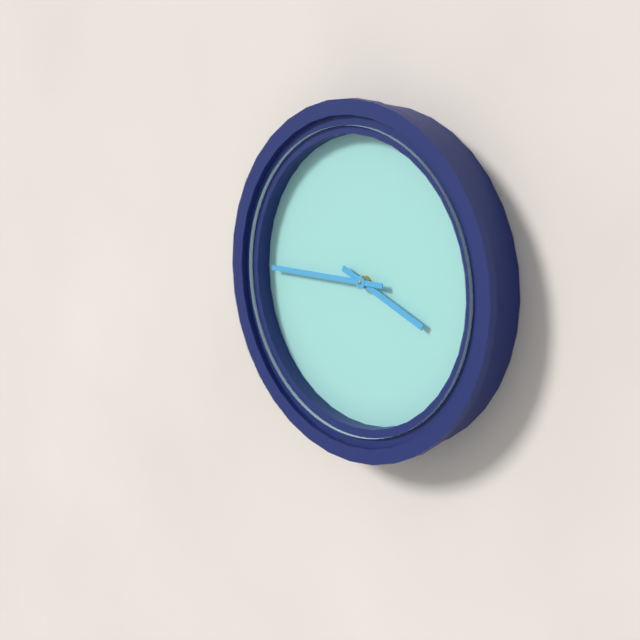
3:45
